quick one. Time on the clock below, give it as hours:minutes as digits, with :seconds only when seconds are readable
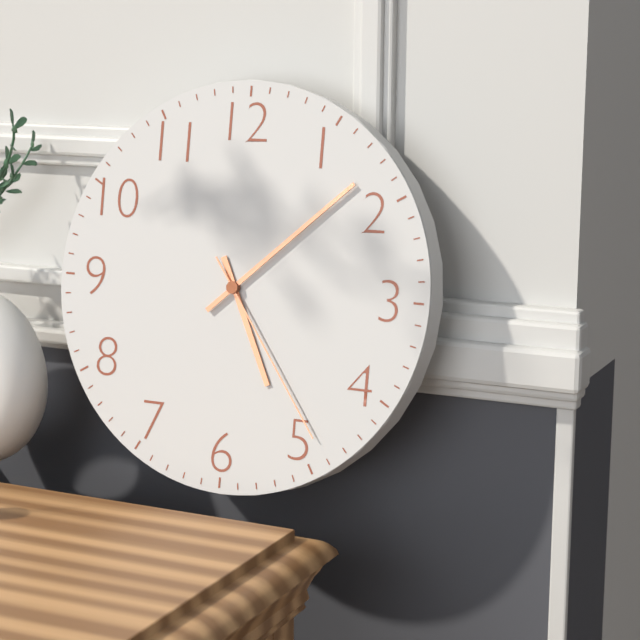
5:08:24
